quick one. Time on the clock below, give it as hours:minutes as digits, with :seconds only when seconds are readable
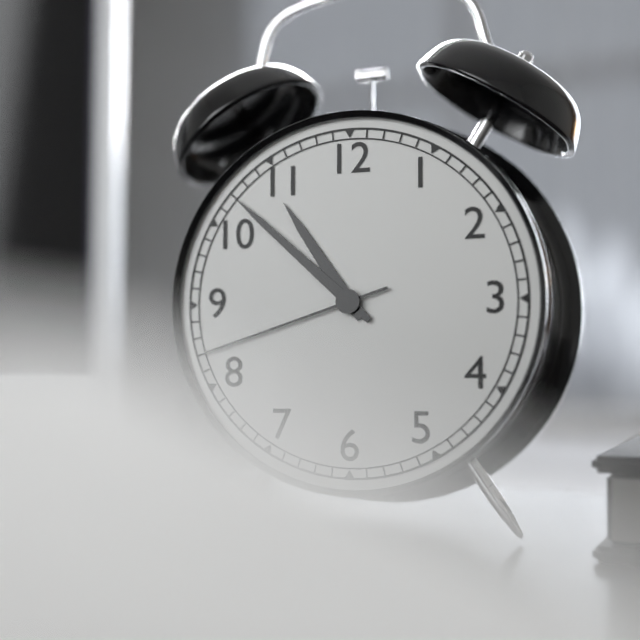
10:52:42
